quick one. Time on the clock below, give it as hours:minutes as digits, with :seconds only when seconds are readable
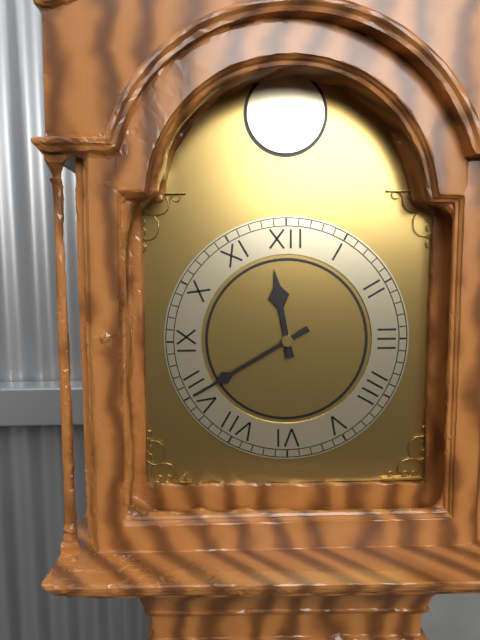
11:40
